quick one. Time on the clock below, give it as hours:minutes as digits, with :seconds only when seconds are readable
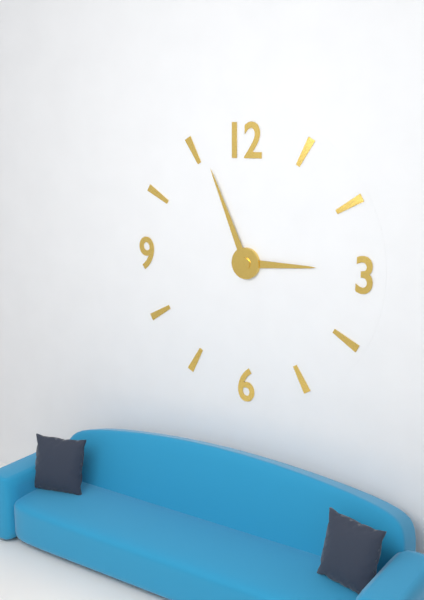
2:56
